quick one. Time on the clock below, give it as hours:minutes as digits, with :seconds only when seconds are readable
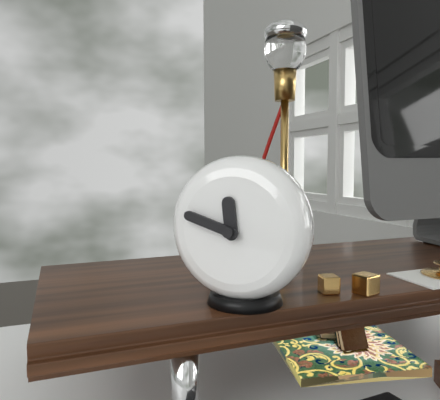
11:48
